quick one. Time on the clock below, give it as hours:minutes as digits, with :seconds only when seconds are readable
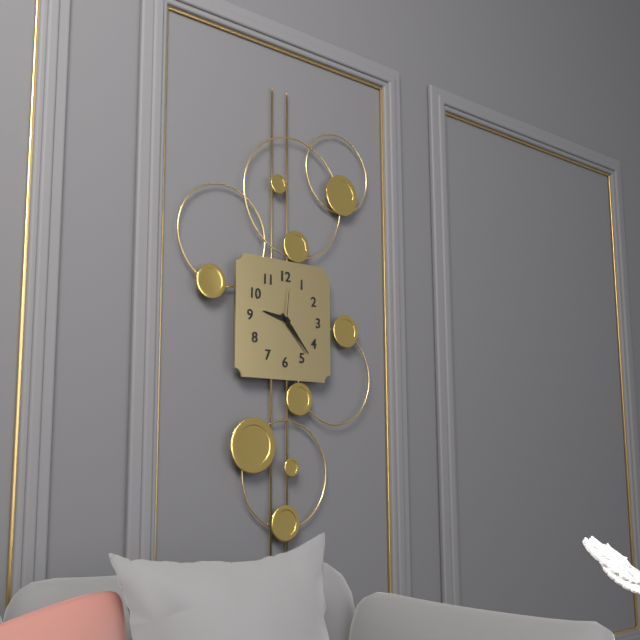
9:23
